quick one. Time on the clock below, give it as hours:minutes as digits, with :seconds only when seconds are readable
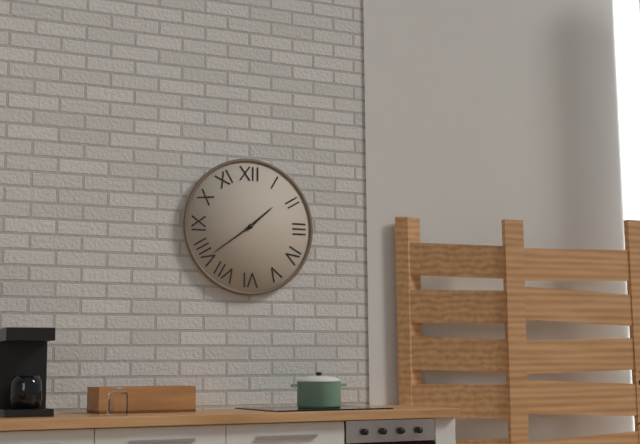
1:39
